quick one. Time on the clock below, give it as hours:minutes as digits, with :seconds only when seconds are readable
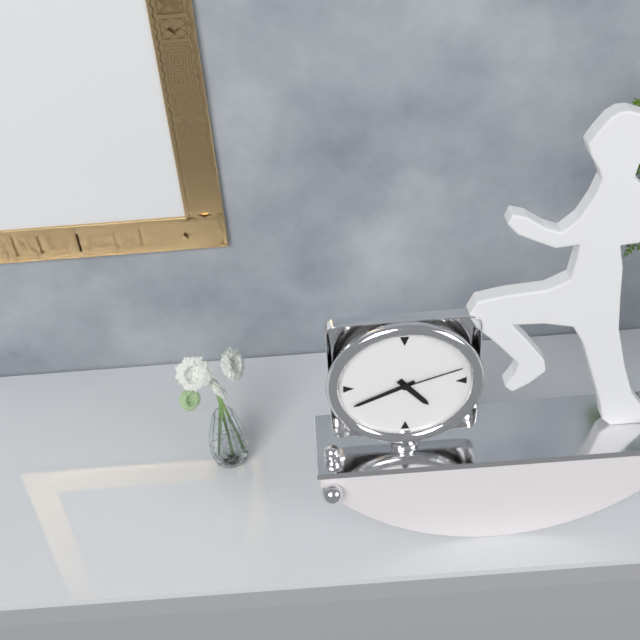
4:41:12
